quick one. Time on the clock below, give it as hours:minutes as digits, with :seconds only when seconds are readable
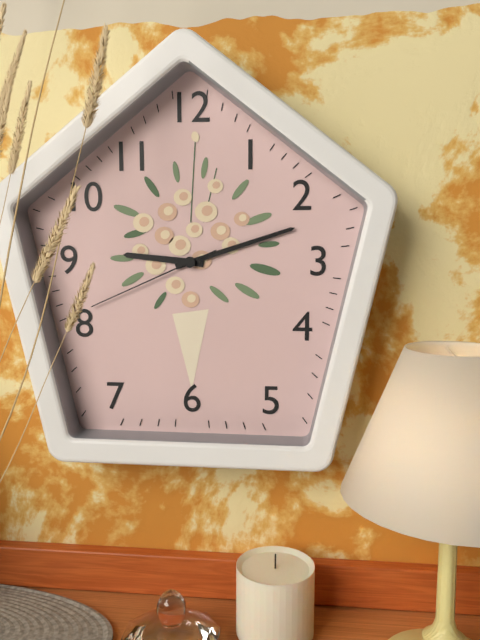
9:12:41
